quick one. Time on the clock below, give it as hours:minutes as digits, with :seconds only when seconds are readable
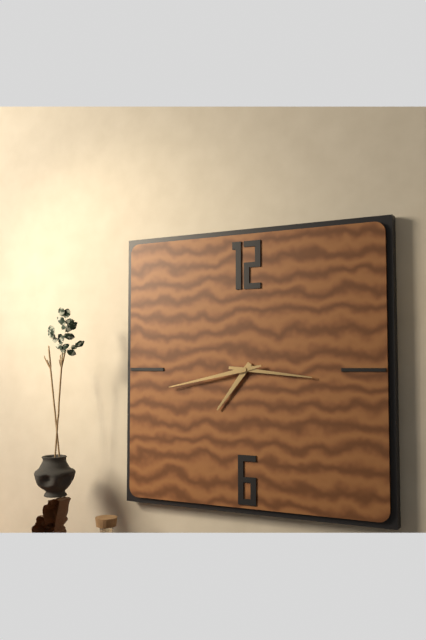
7:16:43
